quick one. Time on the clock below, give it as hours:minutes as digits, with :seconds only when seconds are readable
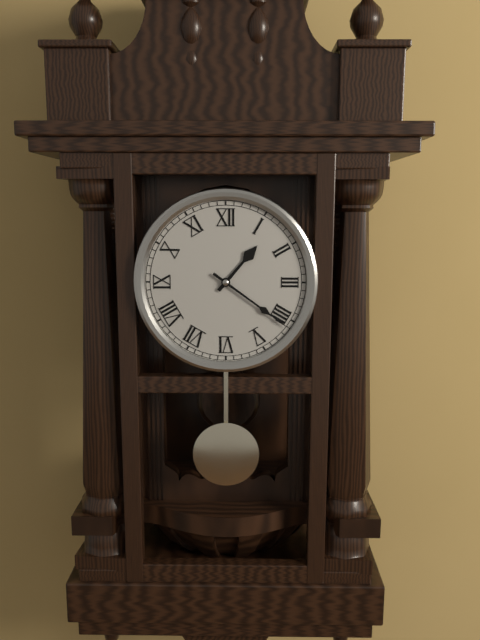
1:21
